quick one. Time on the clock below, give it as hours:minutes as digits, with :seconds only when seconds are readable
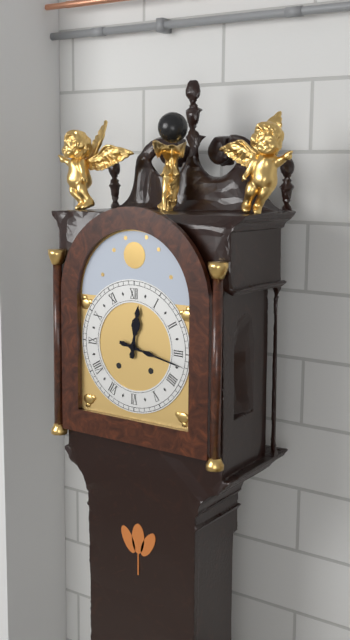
12:17
